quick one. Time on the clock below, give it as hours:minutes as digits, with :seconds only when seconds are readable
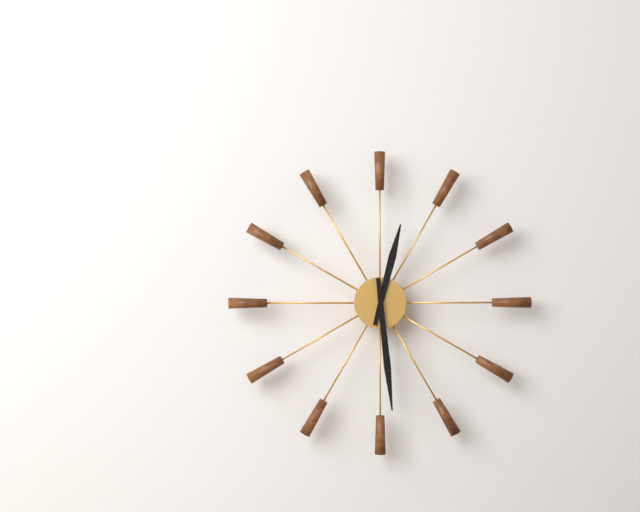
12:29
